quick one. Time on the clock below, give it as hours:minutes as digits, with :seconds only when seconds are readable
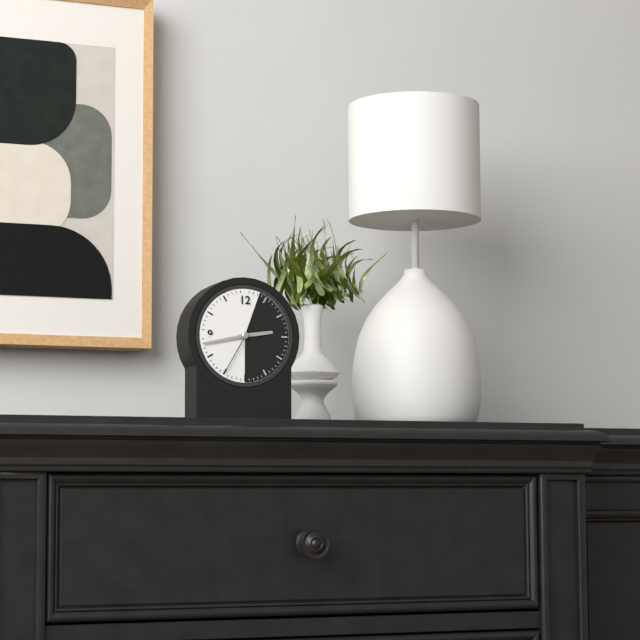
2:43:35
